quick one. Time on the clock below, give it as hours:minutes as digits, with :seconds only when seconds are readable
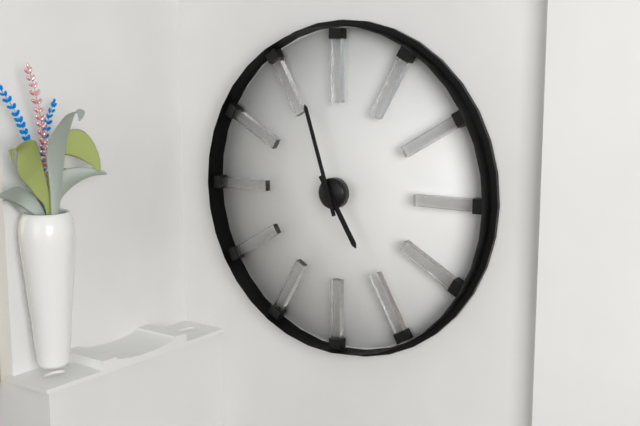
4:57
